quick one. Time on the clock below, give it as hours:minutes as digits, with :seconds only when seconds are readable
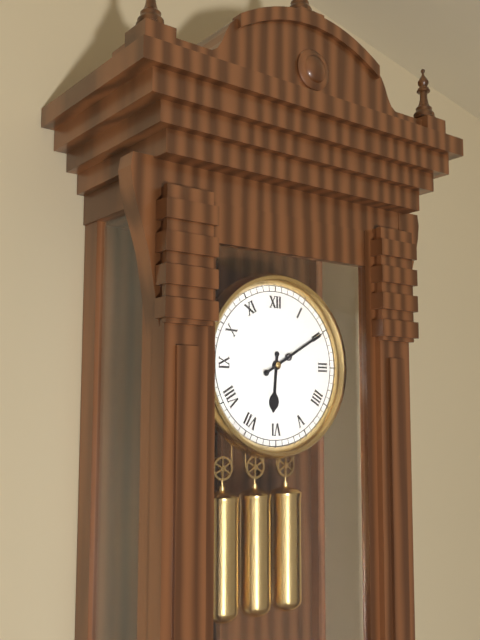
6:10
